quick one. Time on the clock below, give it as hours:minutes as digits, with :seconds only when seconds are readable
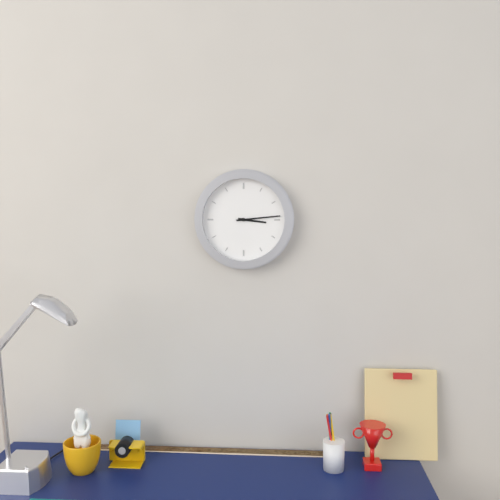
3:14
